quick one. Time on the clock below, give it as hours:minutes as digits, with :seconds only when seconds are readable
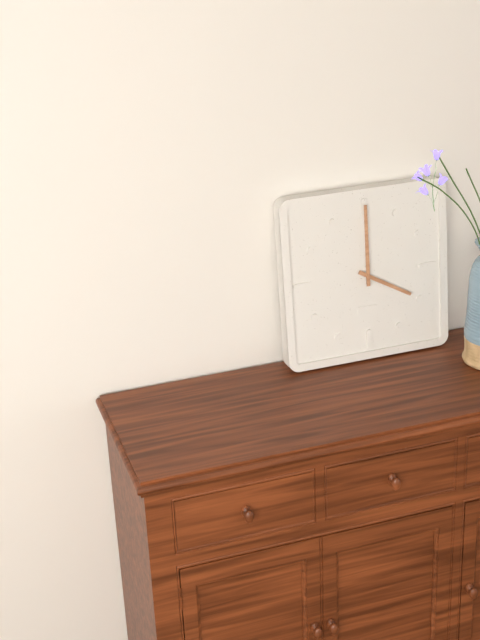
4:00
